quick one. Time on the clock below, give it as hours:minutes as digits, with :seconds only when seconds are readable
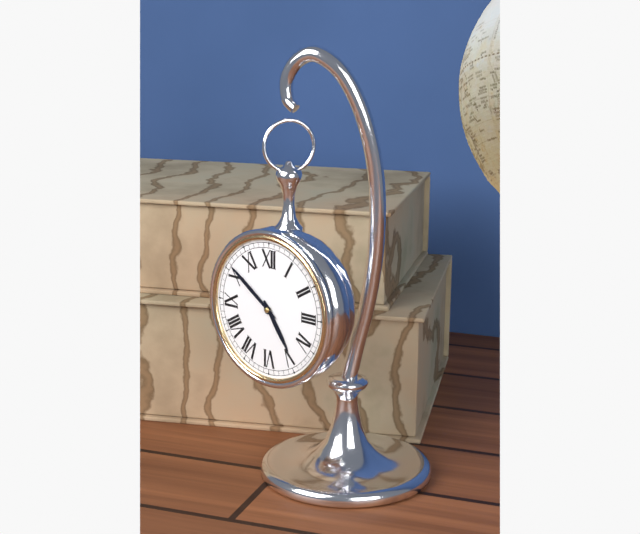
4:51
